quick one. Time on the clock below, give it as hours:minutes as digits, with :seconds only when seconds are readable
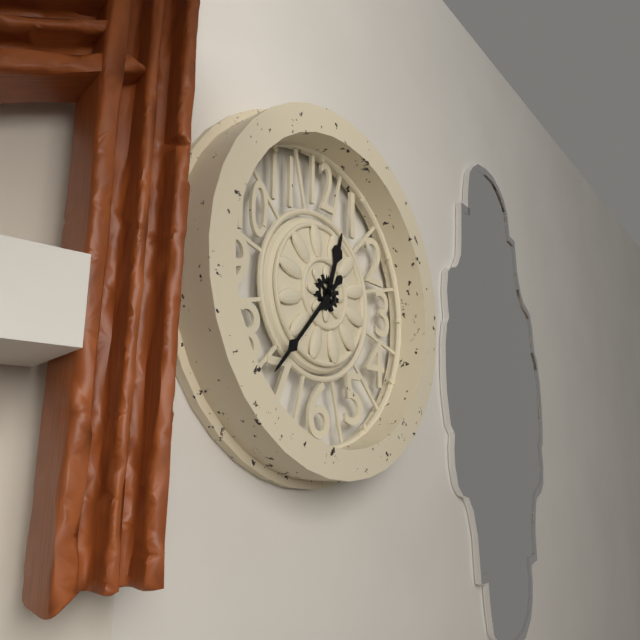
12:37
